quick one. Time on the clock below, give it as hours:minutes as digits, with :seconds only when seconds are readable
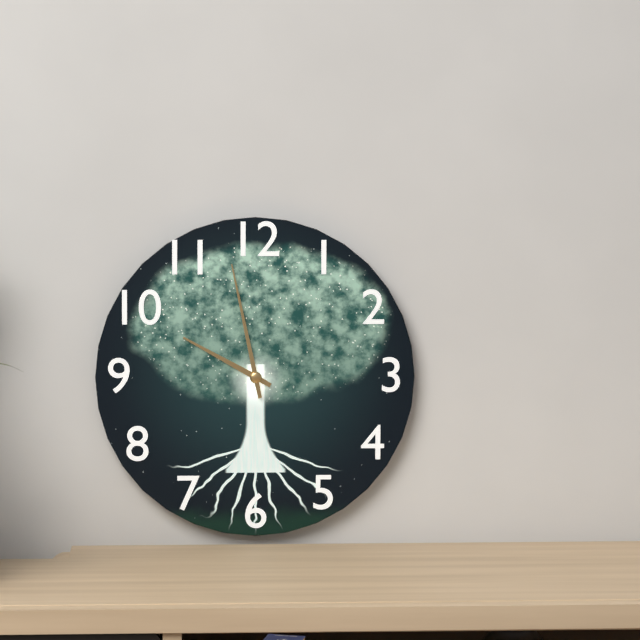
9:58
